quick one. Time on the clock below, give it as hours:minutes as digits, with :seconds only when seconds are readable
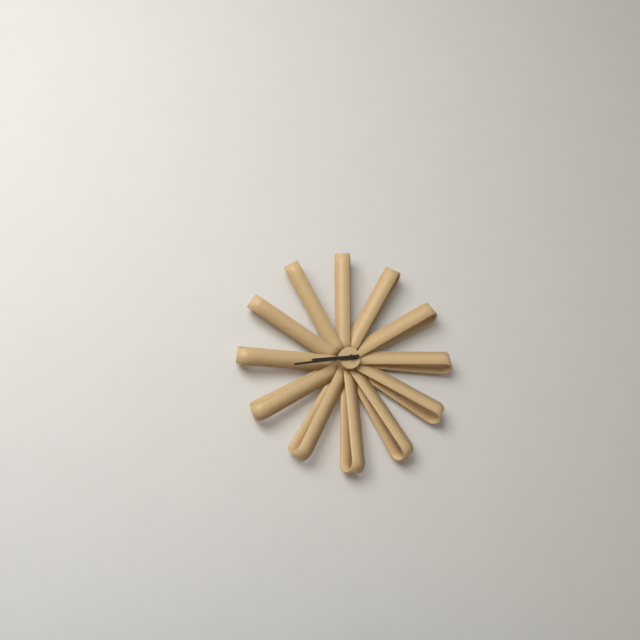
8:43
